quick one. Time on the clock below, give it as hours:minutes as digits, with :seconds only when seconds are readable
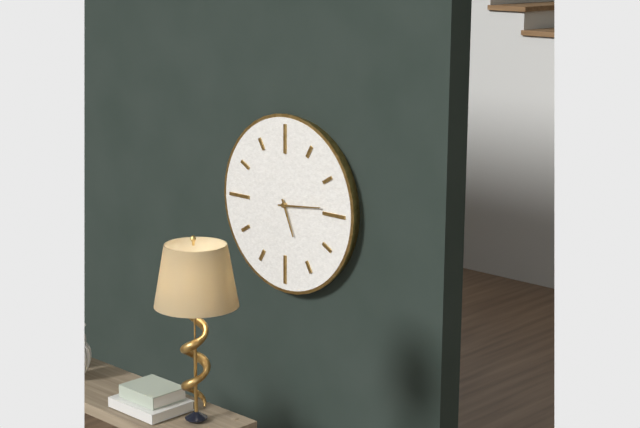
5:14
